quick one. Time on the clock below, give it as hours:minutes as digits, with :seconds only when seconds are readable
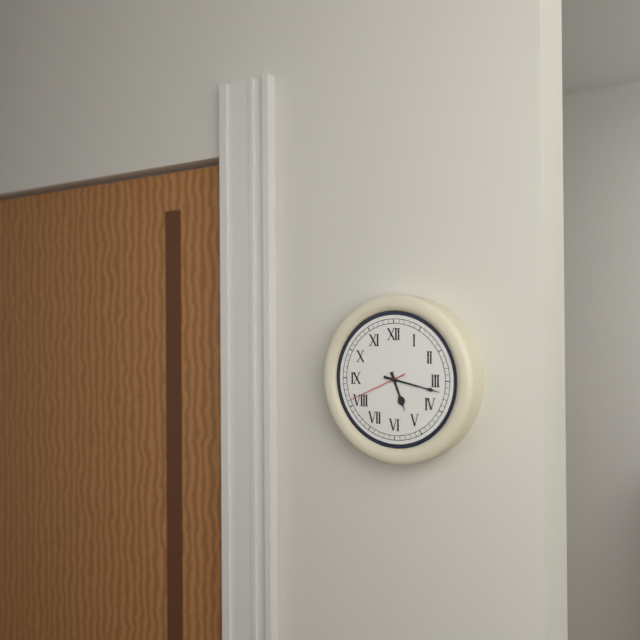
5:17:41
